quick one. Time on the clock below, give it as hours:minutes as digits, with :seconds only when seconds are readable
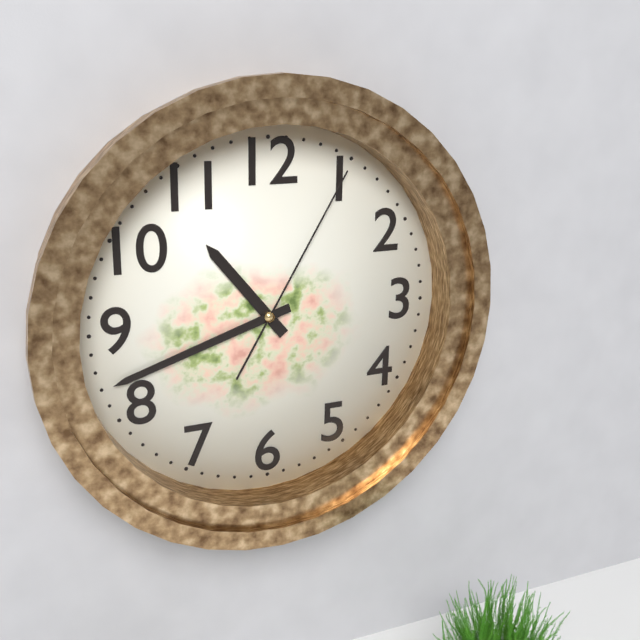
10:42:05
